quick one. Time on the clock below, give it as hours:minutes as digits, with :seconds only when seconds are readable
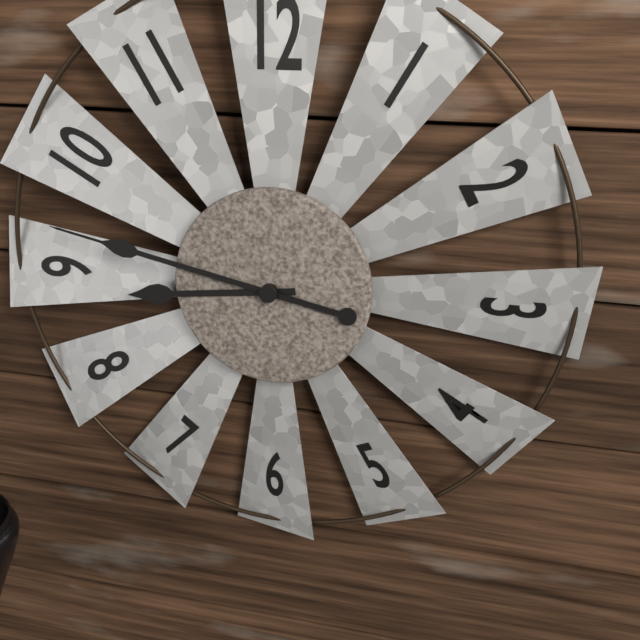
8:47
